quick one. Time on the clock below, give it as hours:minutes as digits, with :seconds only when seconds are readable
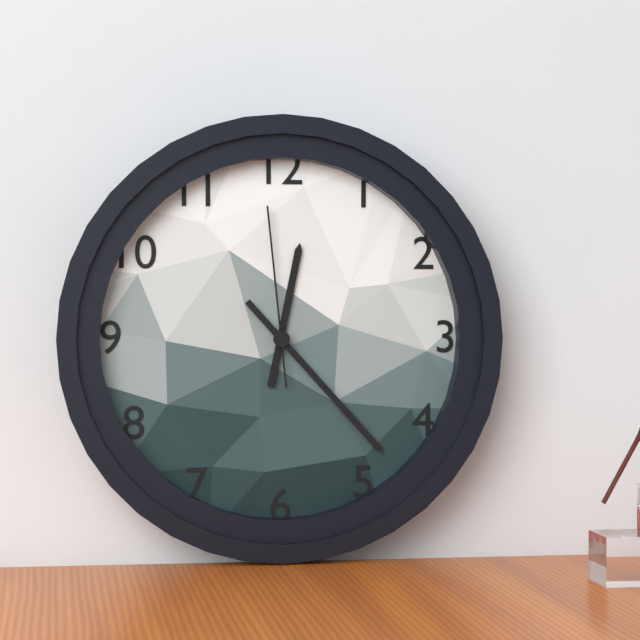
12:23:59
